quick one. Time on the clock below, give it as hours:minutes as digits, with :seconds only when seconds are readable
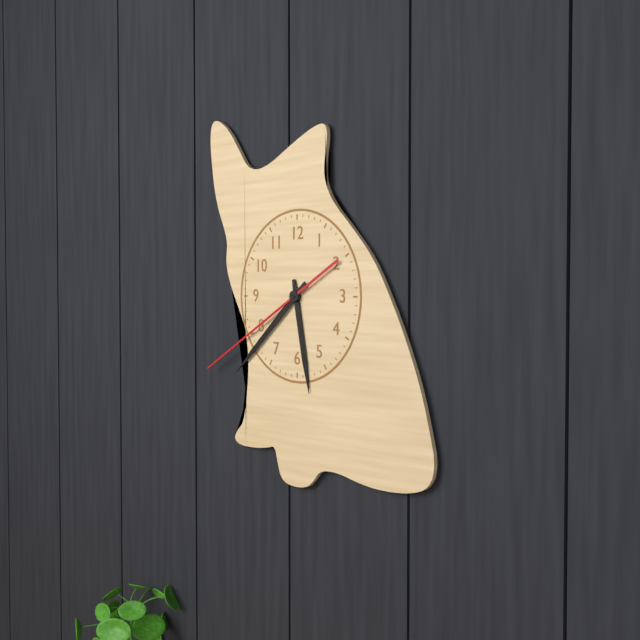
5:38:40
